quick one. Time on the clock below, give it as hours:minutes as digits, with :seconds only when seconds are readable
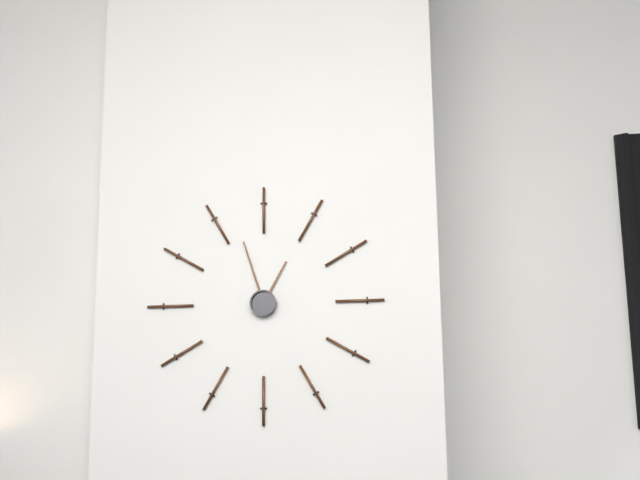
12:57
